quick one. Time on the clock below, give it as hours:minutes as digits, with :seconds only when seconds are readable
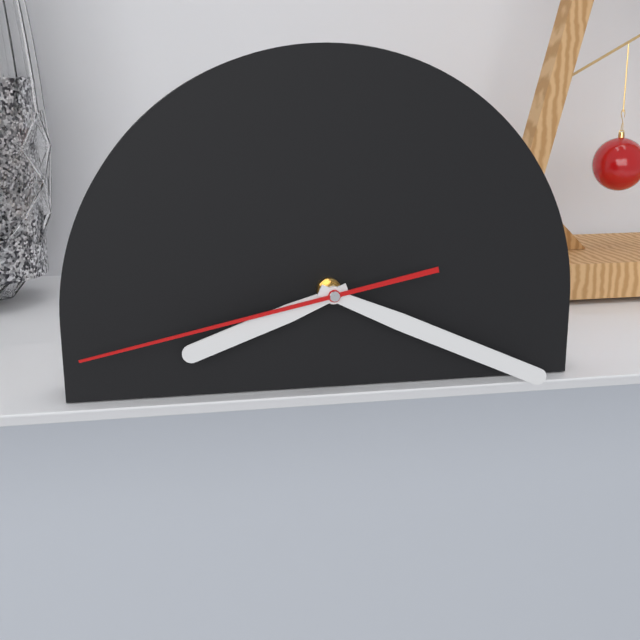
8:19:43
